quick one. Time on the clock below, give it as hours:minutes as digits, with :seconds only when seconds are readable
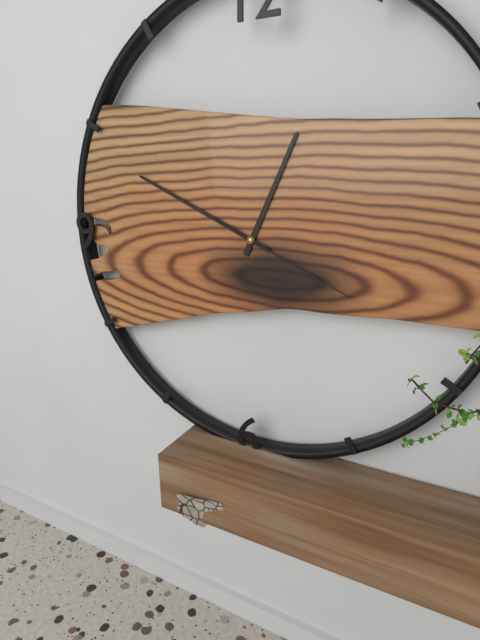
12:49:19
